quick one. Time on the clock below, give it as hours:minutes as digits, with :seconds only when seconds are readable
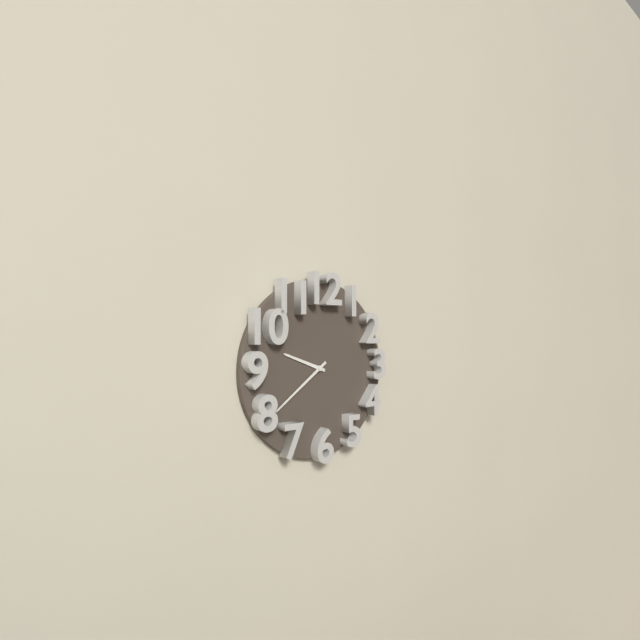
9:39
